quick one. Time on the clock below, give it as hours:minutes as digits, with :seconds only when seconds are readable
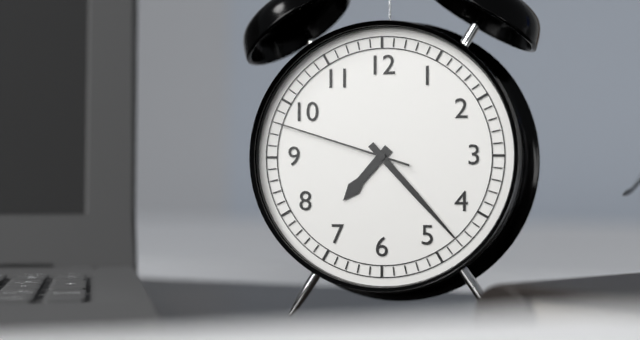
7:23:48
